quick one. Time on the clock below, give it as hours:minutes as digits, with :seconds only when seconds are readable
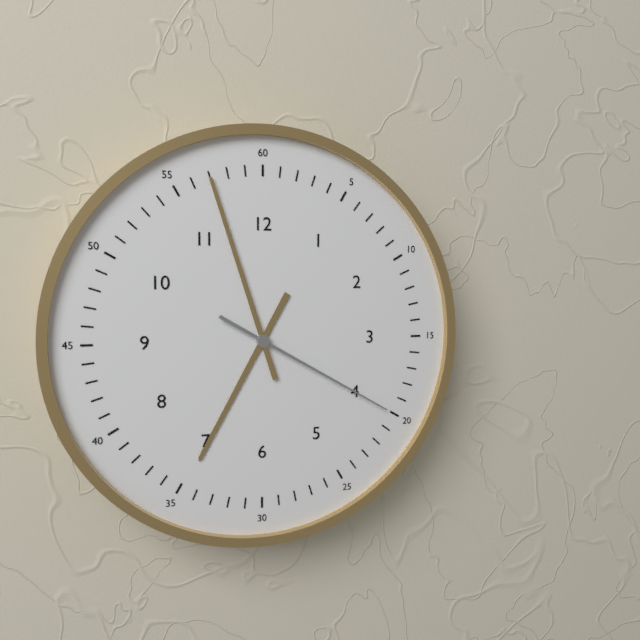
6:57:20
